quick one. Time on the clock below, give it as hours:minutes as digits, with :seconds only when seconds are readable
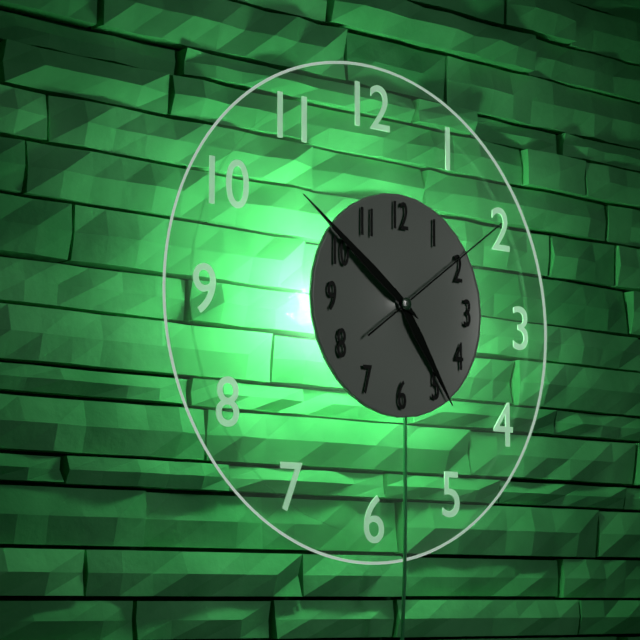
4:51:09
